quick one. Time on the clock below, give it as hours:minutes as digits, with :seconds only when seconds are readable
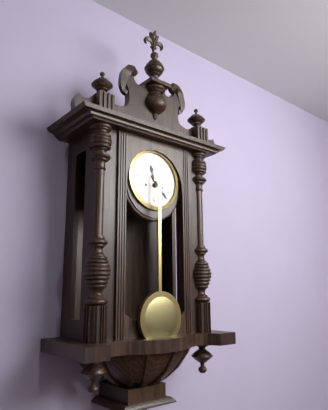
11:23
